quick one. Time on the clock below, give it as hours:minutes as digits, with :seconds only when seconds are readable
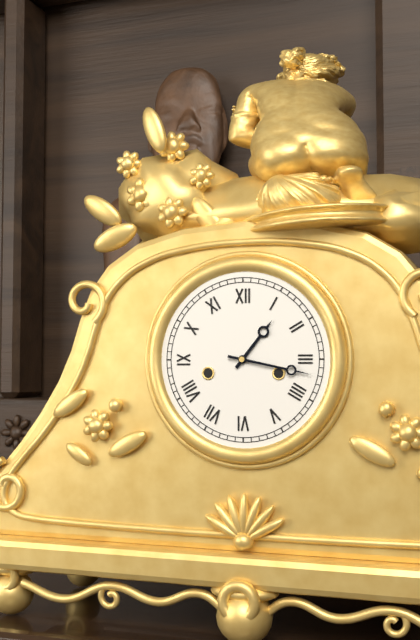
1:17
